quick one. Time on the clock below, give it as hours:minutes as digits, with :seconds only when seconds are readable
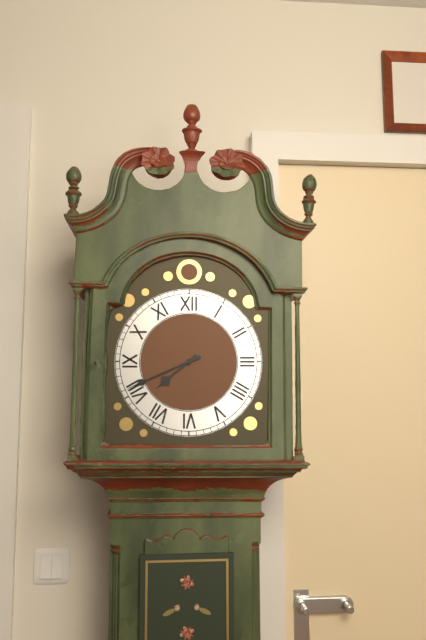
7:41
